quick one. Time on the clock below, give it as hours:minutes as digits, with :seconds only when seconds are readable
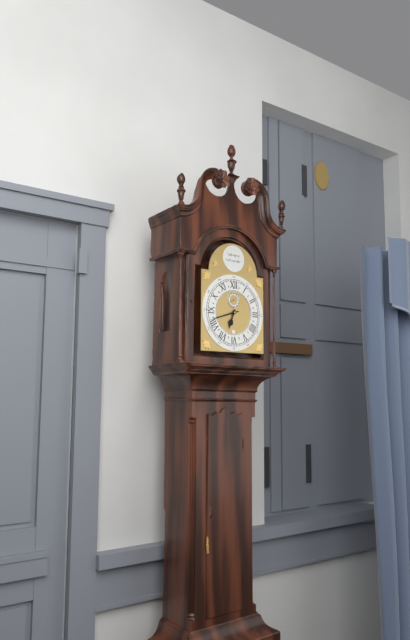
6:42
